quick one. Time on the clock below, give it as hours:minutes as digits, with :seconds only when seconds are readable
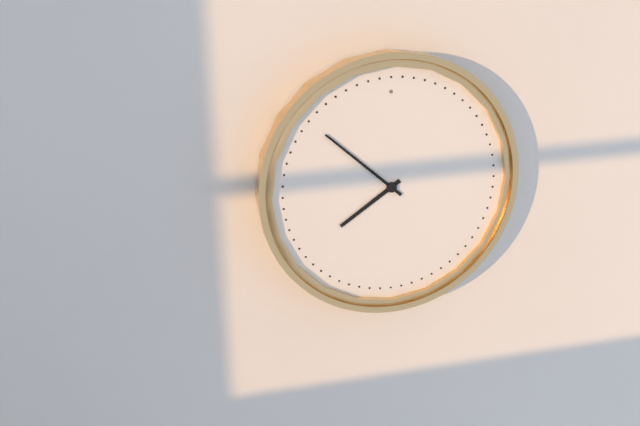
7:52
